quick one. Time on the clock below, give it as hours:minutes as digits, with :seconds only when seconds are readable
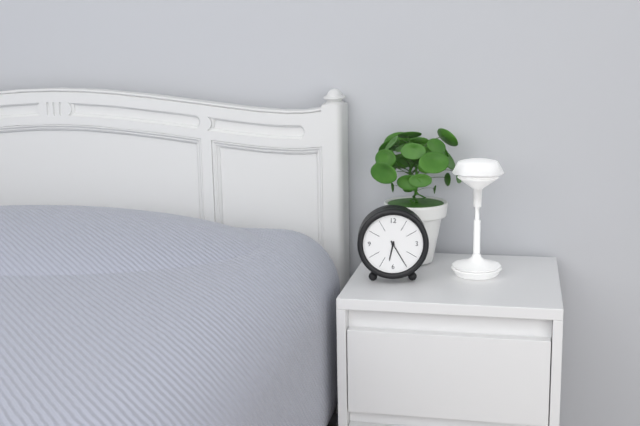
6:25
